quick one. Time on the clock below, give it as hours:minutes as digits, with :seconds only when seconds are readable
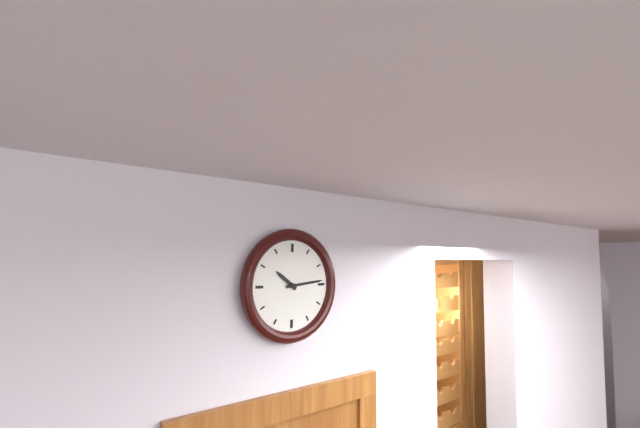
10:14
